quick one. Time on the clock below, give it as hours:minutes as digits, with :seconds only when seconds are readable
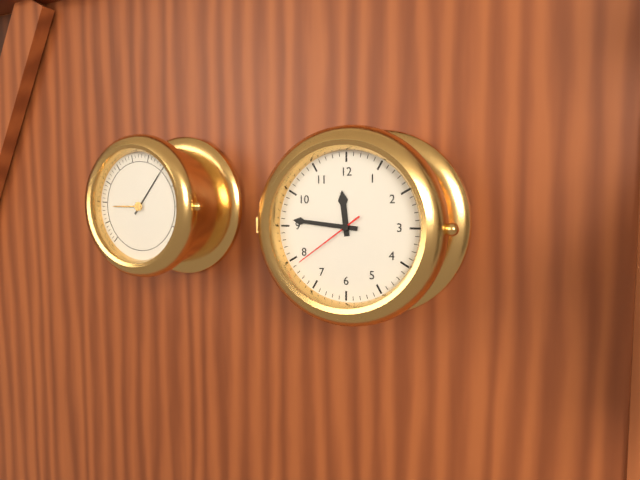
11:46:39
